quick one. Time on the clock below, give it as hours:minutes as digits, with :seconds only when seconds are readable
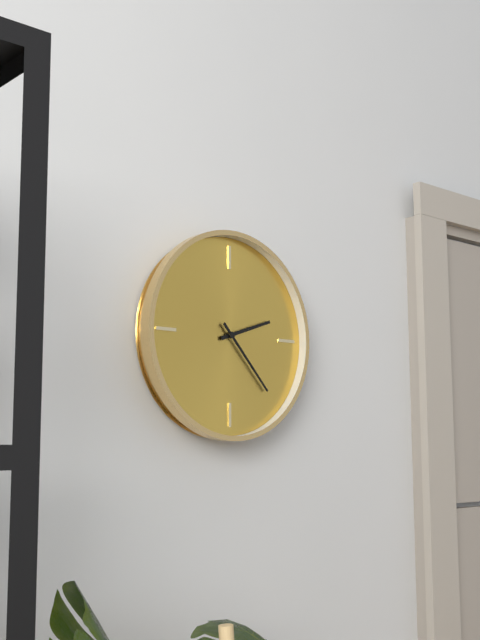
2:23
